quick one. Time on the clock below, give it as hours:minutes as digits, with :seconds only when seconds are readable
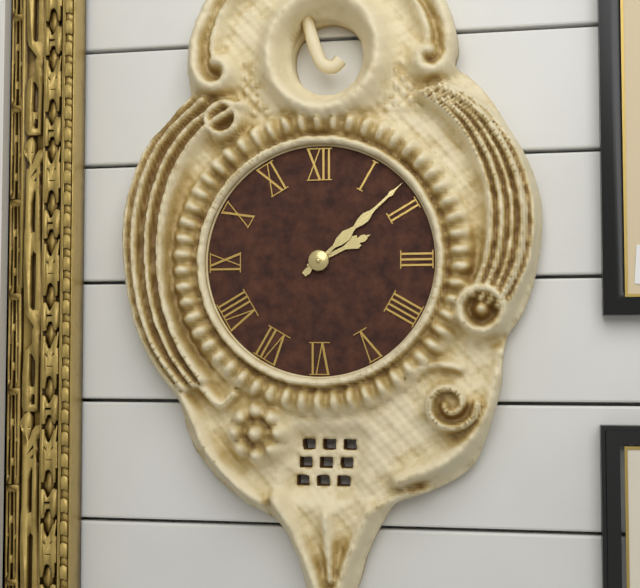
2:08
